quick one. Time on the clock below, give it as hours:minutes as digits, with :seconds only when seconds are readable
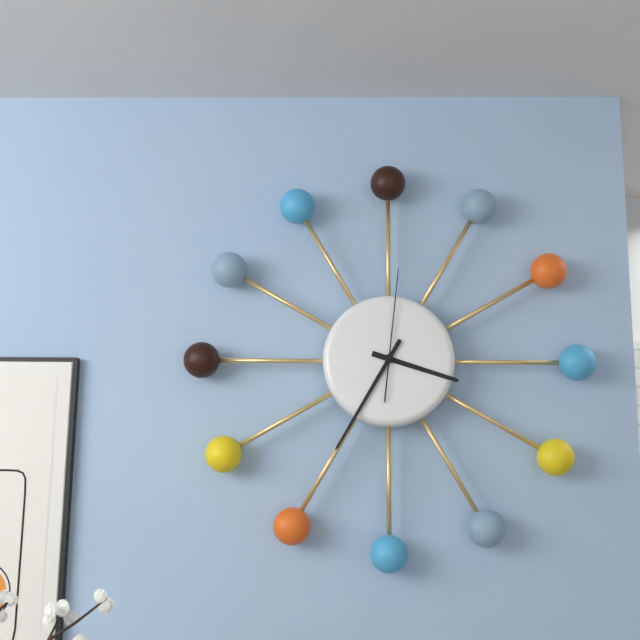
3:35:01
